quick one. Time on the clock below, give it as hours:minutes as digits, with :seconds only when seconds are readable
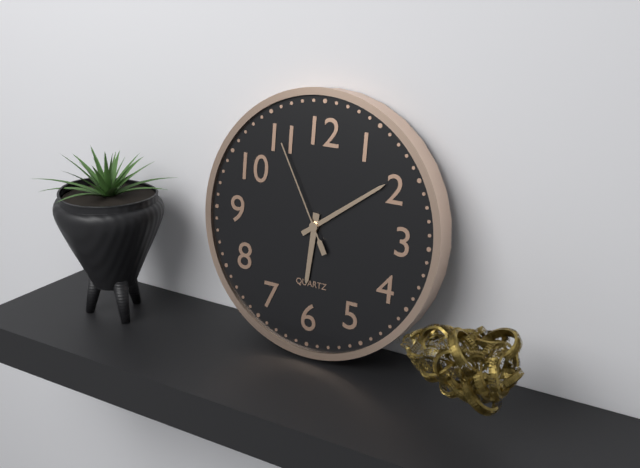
6:09:55
